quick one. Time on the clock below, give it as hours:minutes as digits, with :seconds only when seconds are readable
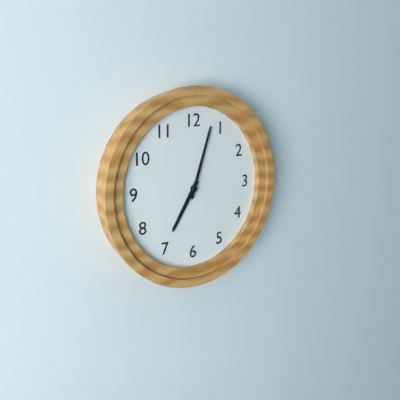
7:03
